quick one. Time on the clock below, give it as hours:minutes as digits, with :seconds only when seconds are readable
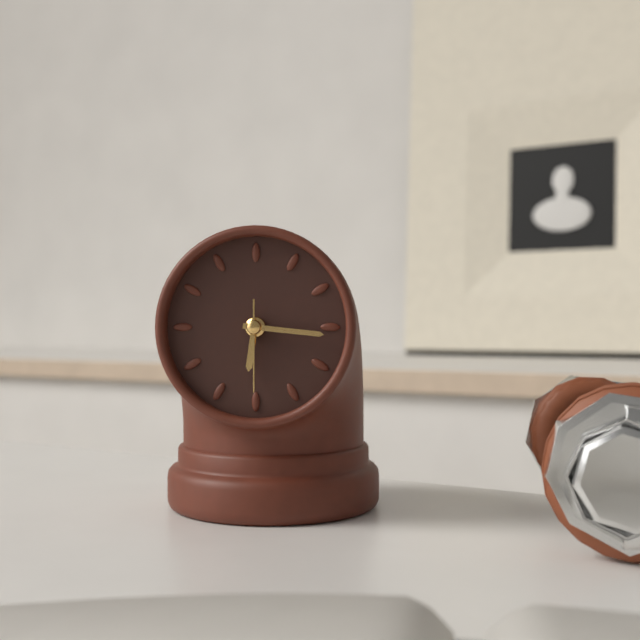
6:16:30
